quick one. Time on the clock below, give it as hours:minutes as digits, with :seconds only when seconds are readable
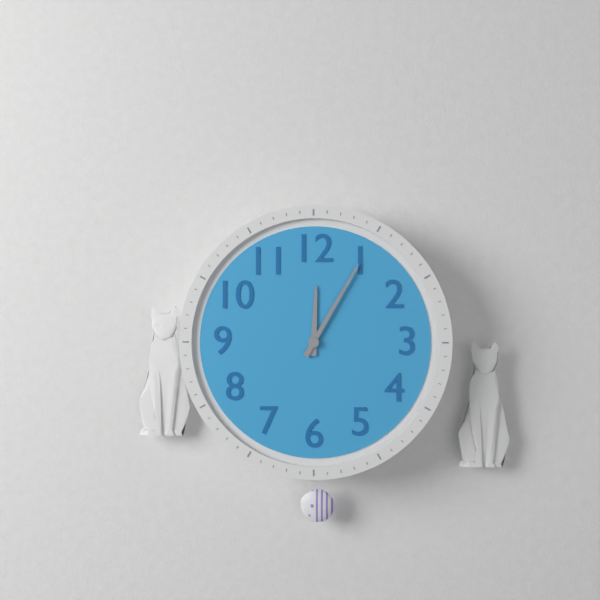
12:05
